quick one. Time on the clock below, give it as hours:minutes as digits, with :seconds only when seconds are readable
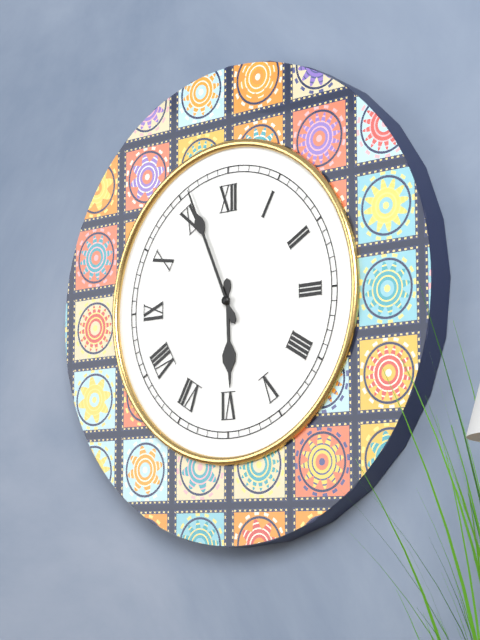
5:56
